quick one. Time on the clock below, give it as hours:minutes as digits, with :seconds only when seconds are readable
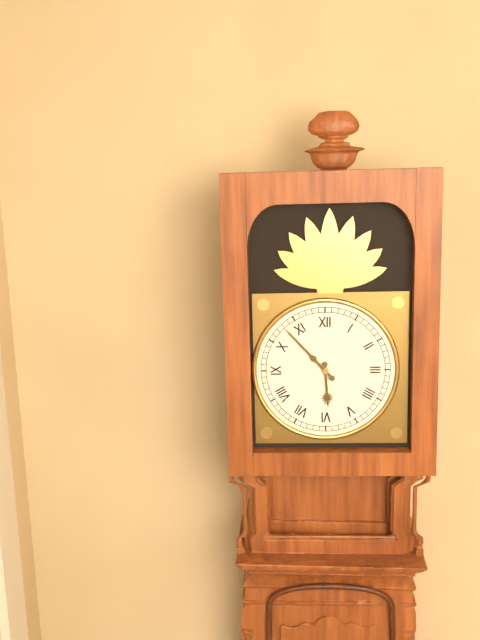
5:53
